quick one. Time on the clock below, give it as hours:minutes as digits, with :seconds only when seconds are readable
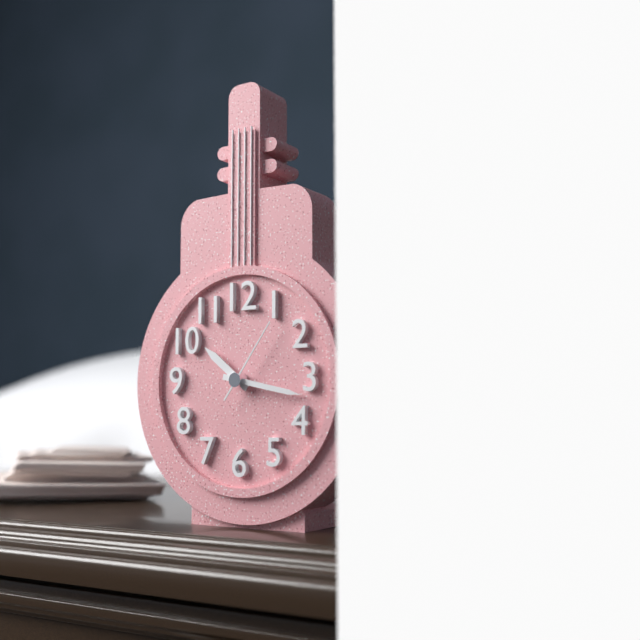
10:17:06
